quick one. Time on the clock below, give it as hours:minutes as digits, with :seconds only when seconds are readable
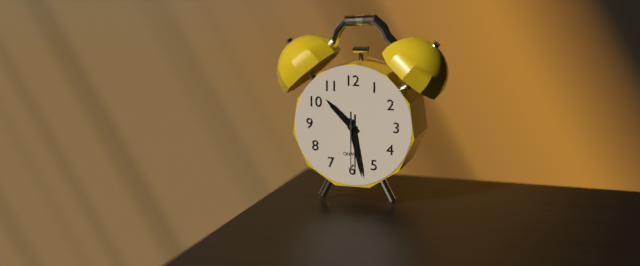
10:28:30
